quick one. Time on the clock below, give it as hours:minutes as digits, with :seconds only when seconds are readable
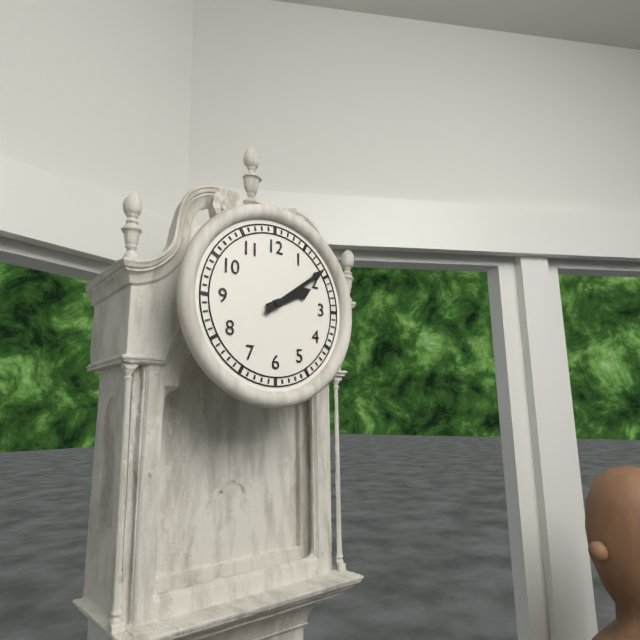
2:09
